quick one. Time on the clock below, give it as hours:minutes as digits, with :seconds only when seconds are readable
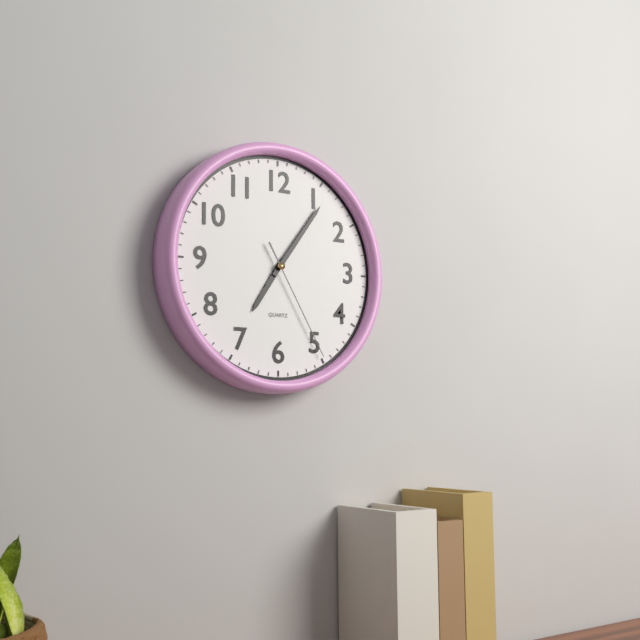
7:06:25
